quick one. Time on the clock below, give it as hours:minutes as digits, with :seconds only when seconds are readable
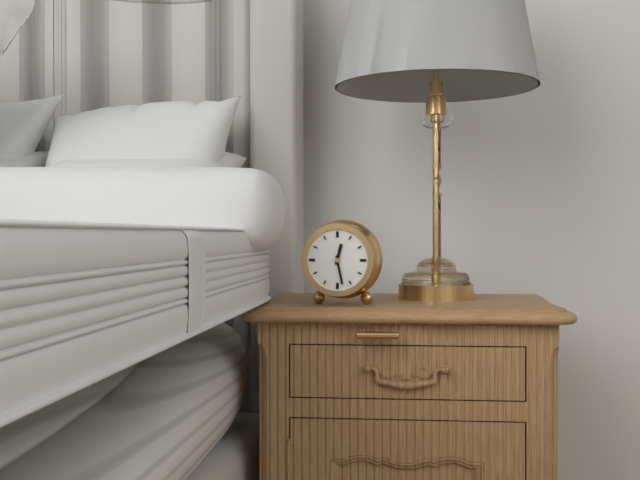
12:28
